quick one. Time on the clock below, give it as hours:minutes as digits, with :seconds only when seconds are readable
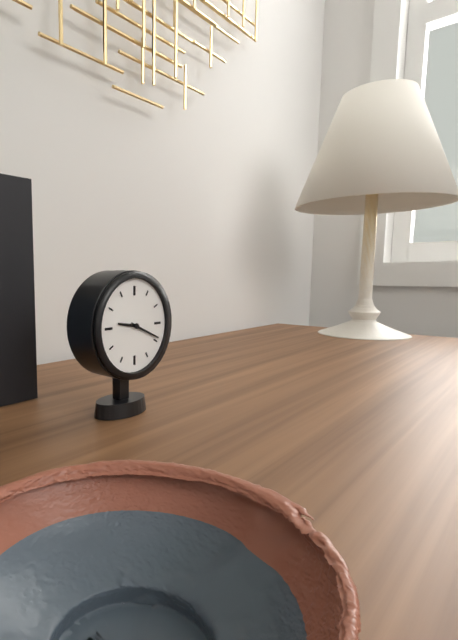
9:19
